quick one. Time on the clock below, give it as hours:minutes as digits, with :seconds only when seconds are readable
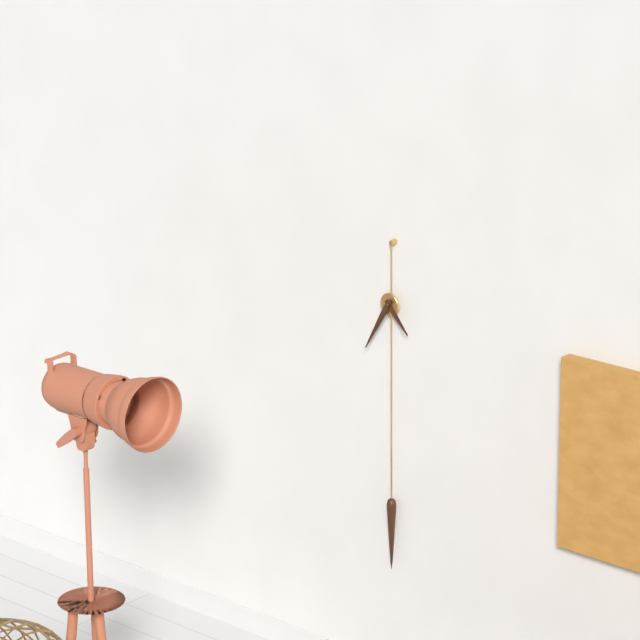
4:35
